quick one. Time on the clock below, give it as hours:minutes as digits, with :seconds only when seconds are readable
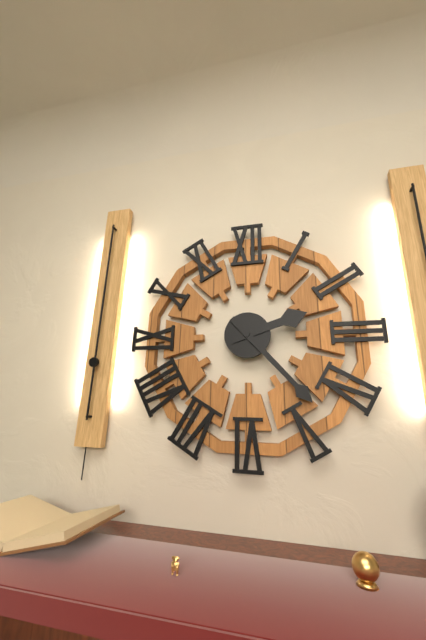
2:23
